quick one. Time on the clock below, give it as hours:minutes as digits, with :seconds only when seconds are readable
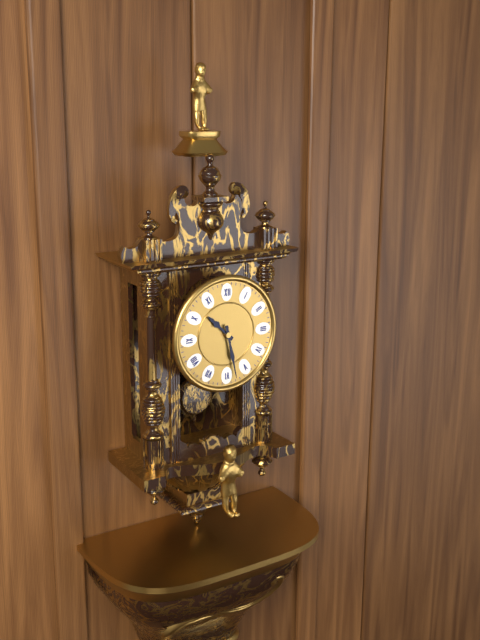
10:28
